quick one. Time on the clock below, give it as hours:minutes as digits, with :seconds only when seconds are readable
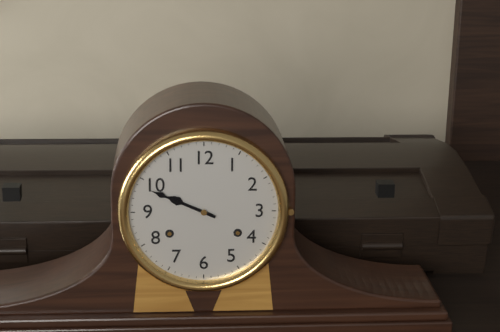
9:49
